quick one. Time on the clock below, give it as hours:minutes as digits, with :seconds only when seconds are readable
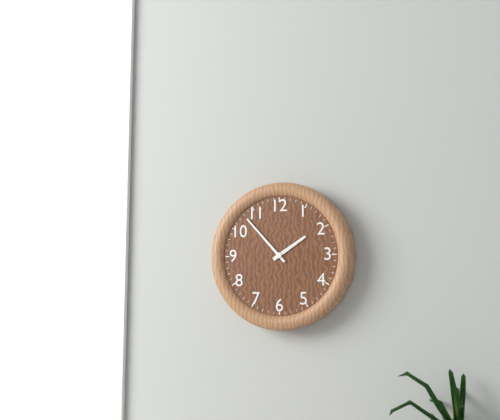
1:53
